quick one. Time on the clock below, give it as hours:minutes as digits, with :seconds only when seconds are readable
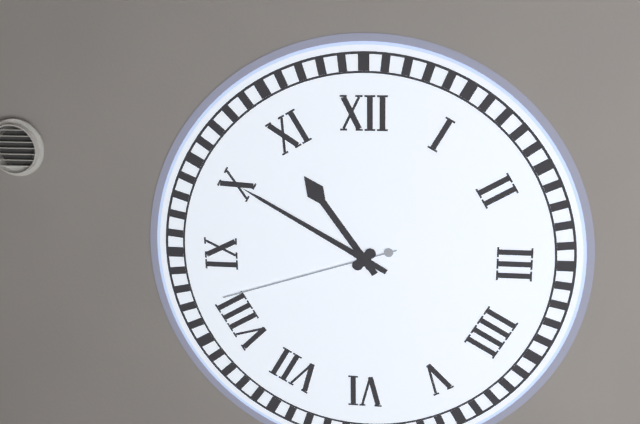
10:50:42
